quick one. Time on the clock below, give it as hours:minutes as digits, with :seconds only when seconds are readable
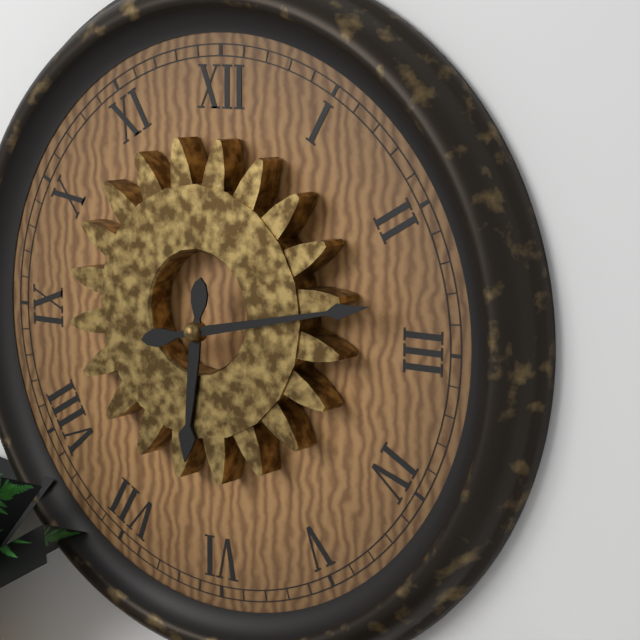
6:13
